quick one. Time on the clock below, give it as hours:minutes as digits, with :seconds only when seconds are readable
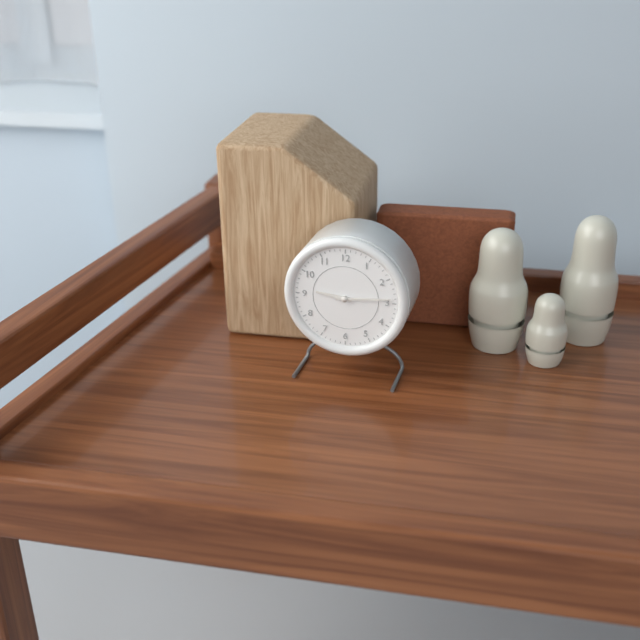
9:14
